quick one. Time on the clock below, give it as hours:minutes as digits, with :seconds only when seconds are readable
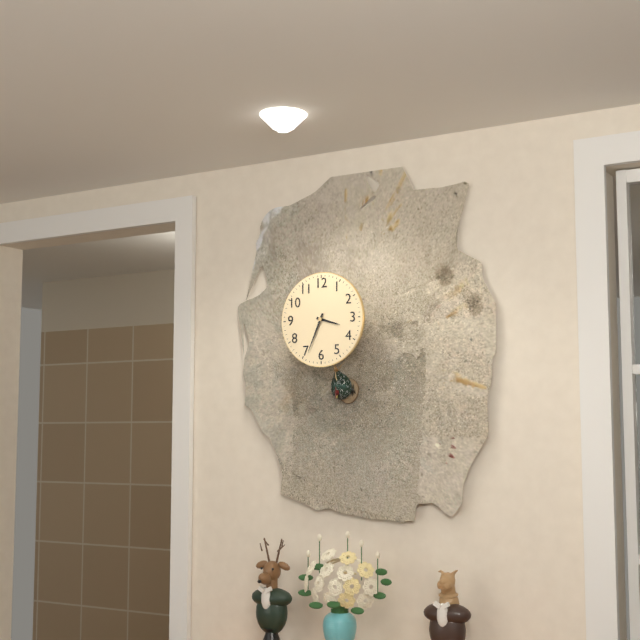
3:34
